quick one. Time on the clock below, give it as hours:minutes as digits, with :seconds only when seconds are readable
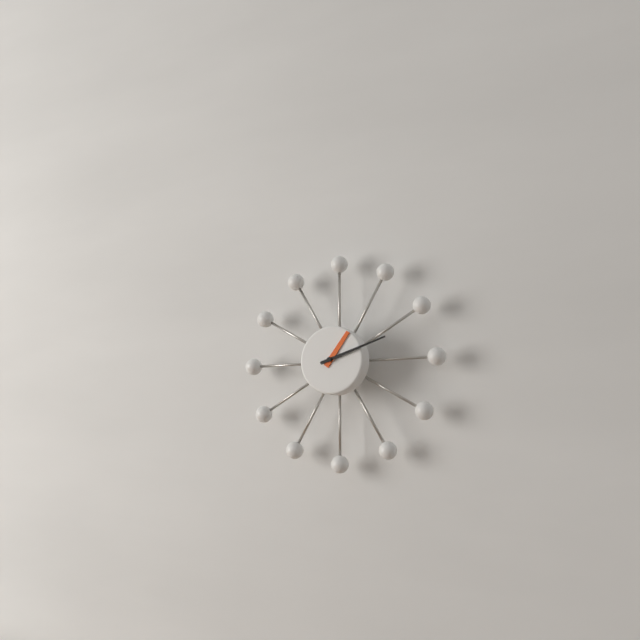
1:12
